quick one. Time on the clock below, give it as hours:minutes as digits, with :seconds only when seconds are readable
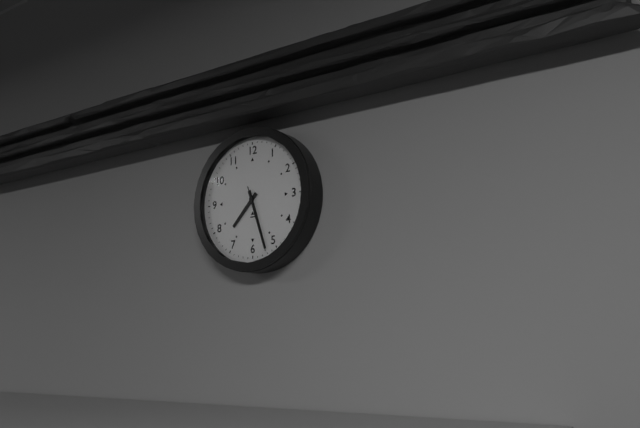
7:27:27
